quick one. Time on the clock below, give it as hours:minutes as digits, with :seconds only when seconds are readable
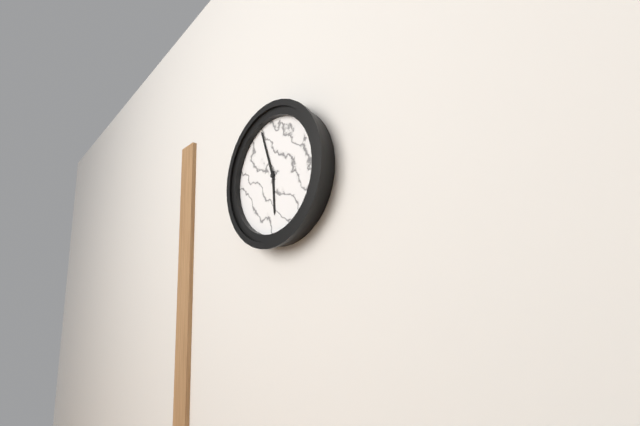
5:57
